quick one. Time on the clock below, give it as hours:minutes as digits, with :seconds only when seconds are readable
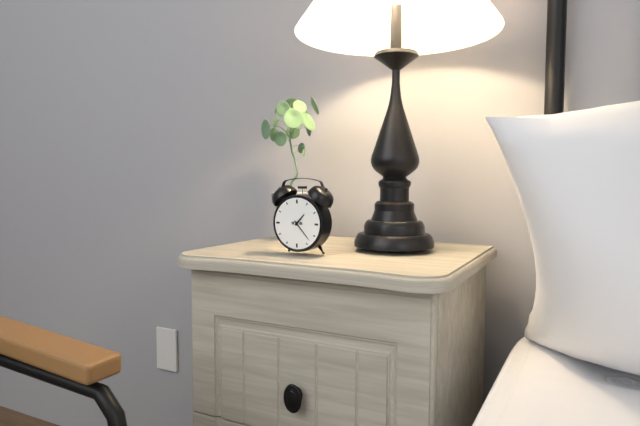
1:23
